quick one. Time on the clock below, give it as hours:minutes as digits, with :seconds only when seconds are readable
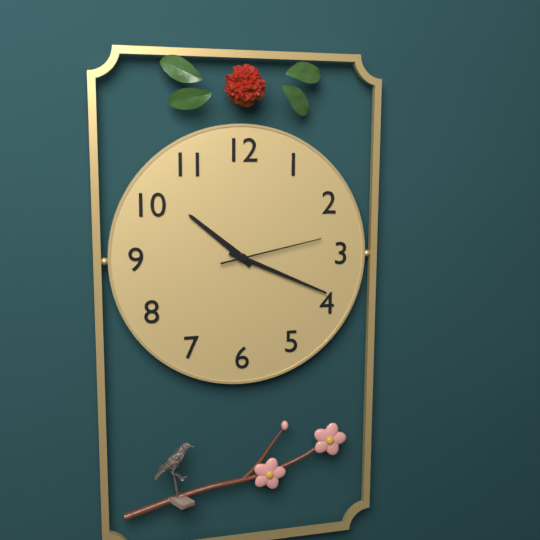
10:19:13
